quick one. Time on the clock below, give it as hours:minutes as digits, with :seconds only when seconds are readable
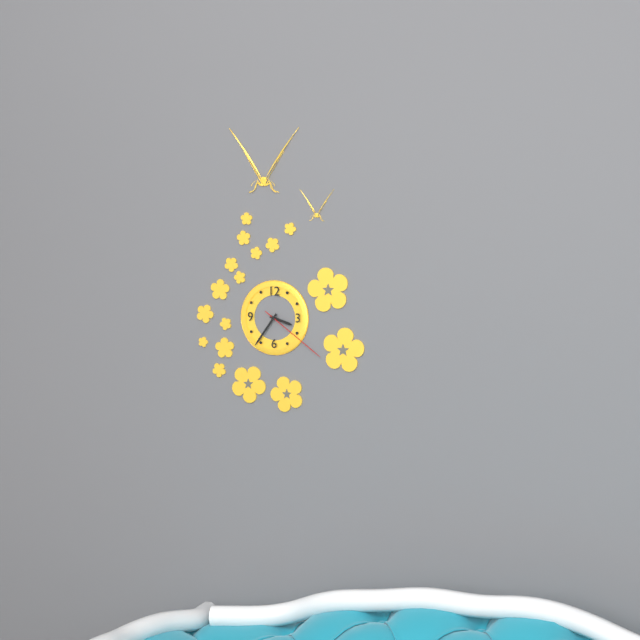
3:36:21
